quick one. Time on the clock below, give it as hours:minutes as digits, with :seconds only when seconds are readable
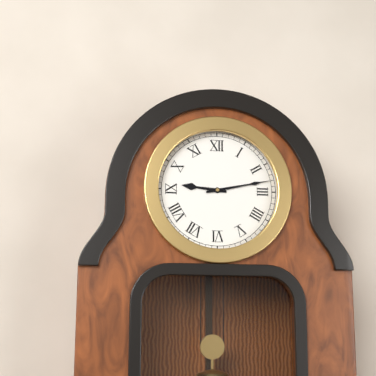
9:13
